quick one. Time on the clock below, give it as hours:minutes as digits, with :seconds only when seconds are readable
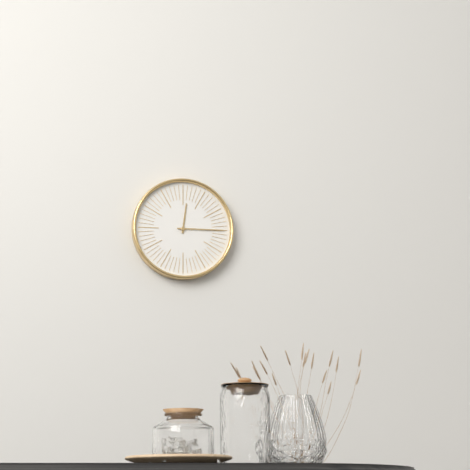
12:15
